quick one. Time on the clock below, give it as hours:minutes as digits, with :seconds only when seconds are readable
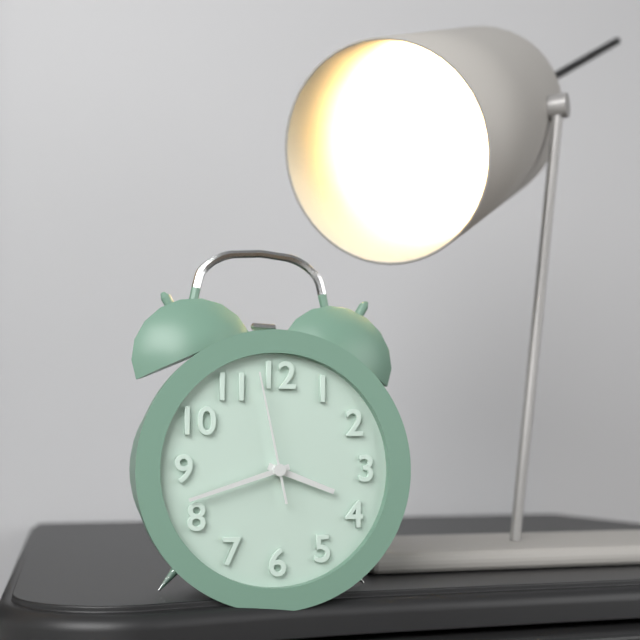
3:42:58
